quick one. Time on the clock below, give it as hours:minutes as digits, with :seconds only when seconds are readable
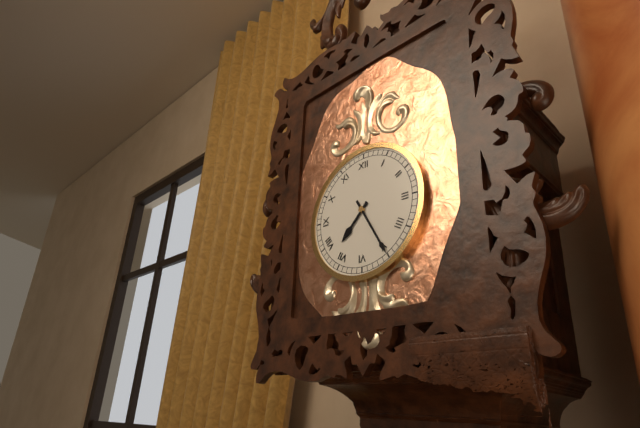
7:25
